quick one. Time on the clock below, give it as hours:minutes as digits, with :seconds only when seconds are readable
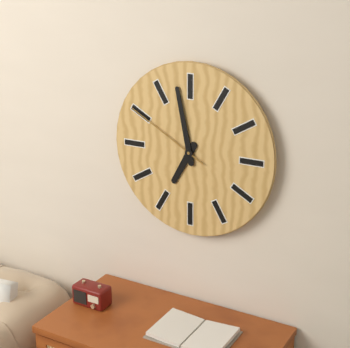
6:58:50
